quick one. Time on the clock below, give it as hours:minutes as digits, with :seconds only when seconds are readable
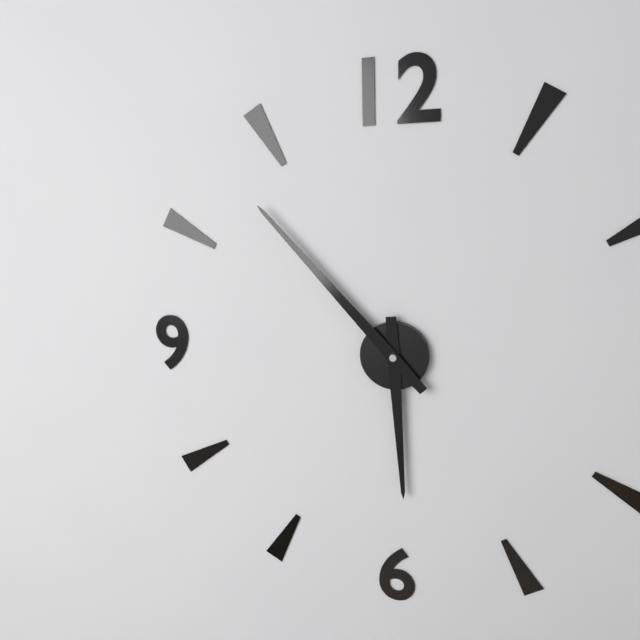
5:53
